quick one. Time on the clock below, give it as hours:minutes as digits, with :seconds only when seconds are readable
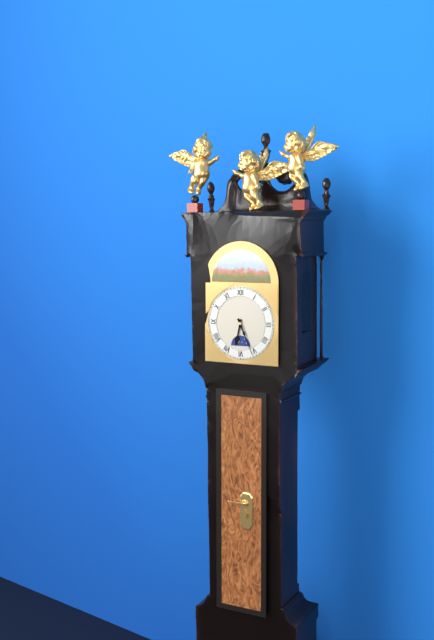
6:26
